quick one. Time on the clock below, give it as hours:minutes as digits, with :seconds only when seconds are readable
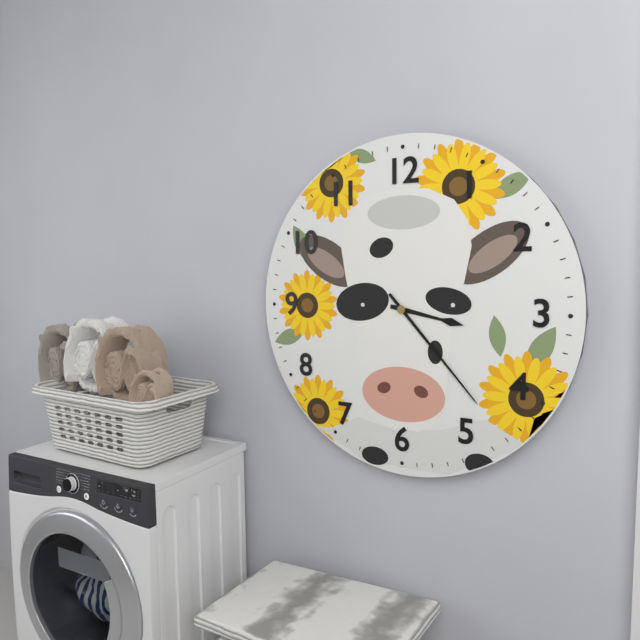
3:23
